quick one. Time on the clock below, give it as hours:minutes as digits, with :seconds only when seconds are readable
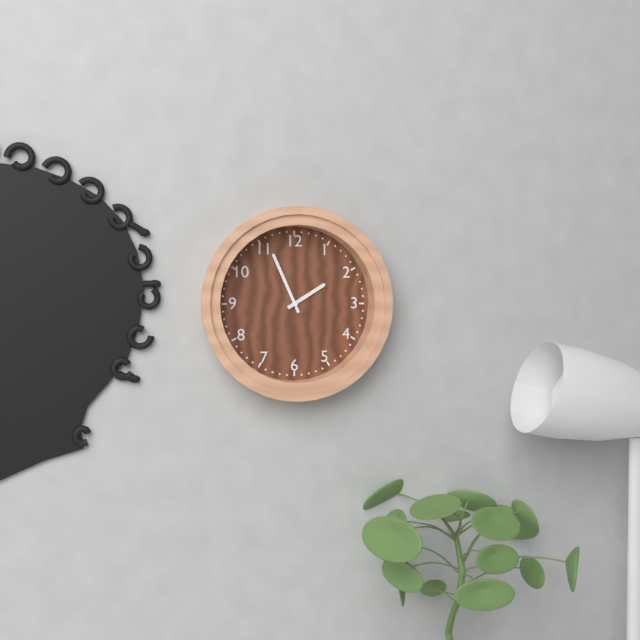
1:56
